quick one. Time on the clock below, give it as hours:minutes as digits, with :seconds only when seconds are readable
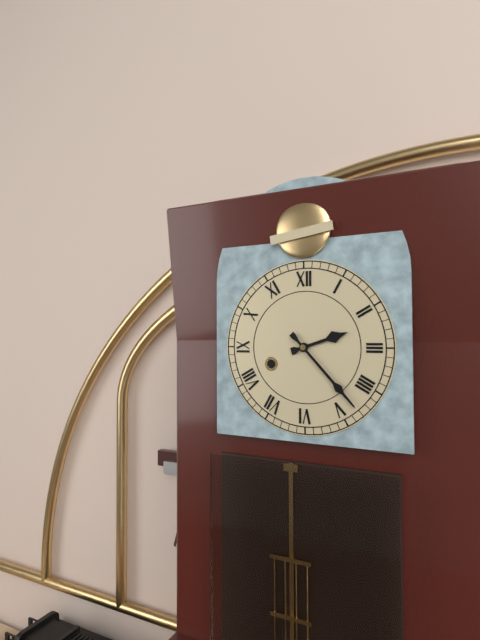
2:23
